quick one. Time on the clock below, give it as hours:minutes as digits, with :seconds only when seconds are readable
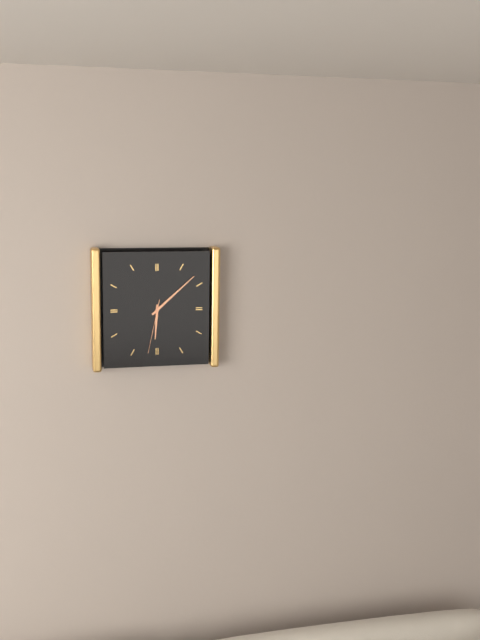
6:08:32
